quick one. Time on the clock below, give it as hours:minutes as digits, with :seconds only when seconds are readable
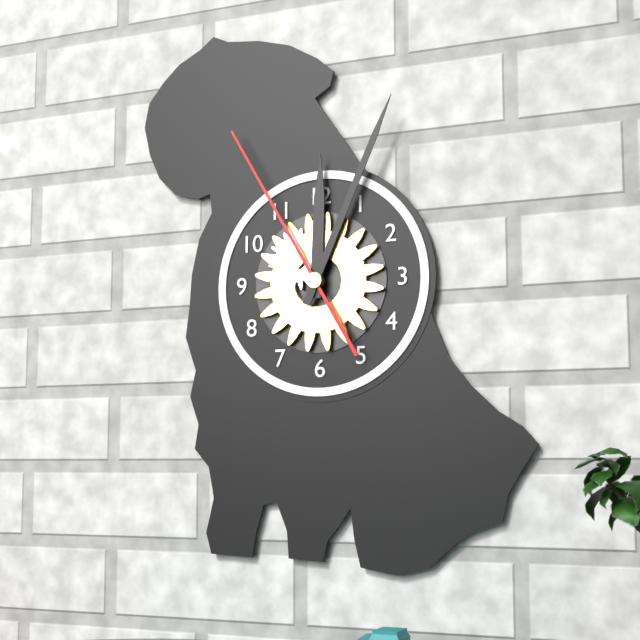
12:04:55
